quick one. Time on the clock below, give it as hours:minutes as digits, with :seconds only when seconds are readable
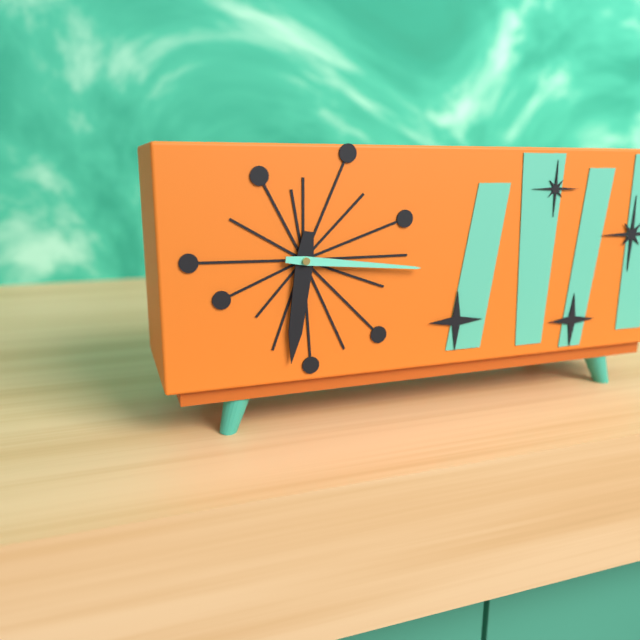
6:16
